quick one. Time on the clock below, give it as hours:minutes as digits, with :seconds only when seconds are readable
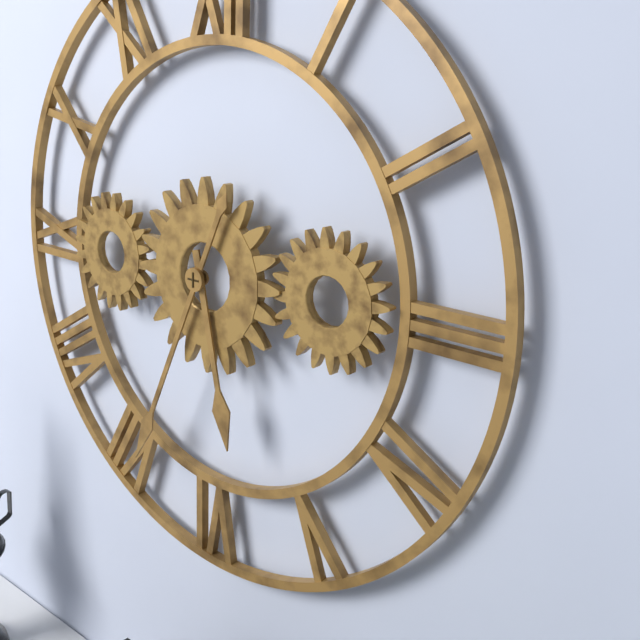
5:34
